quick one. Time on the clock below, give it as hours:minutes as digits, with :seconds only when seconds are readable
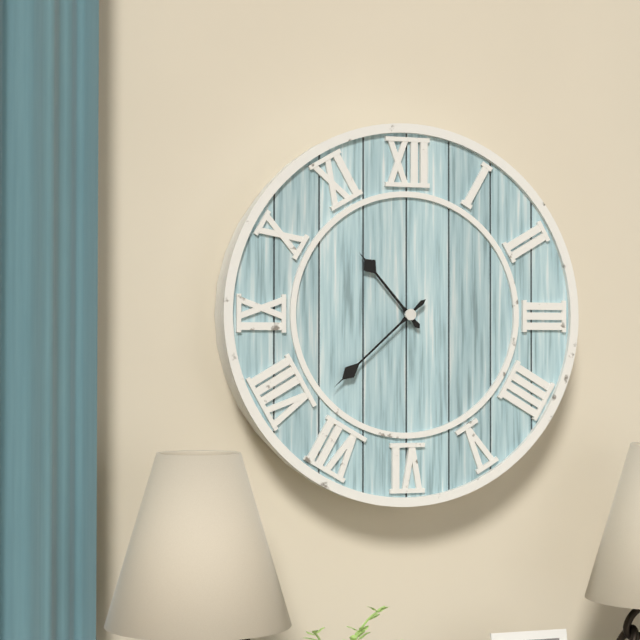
10:38
